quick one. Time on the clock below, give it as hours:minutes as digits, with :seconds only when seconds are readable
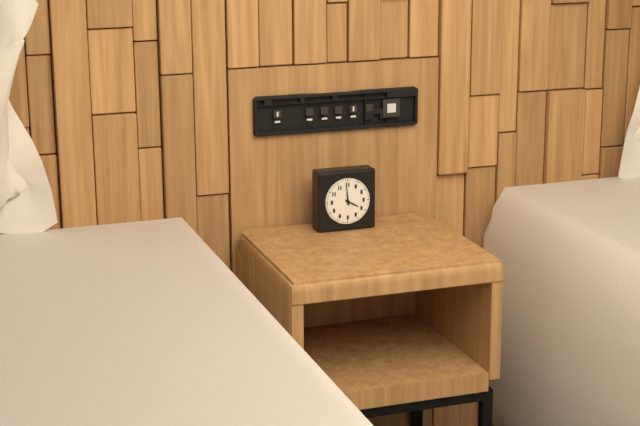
3:59
